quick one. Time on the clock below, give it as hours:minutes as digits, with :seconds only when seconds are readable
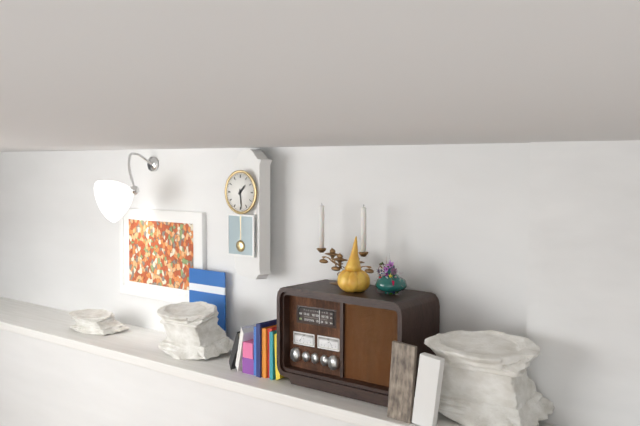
1:29
